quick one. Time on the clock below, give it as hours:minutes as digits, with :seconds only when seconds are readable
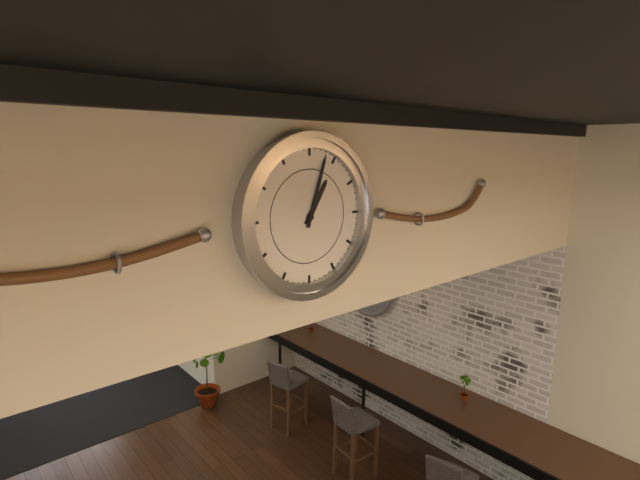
1:03
